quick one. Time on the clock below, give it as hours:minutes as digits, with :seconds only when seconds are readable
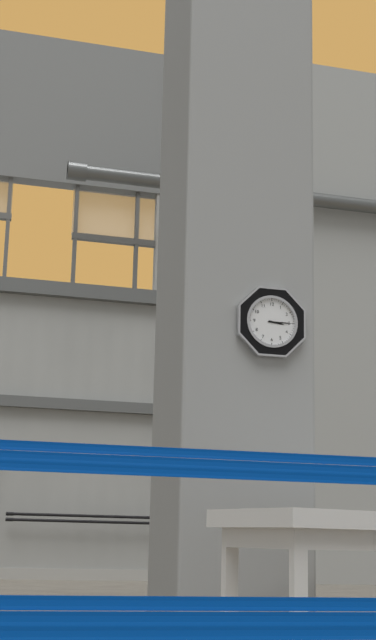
3:15
